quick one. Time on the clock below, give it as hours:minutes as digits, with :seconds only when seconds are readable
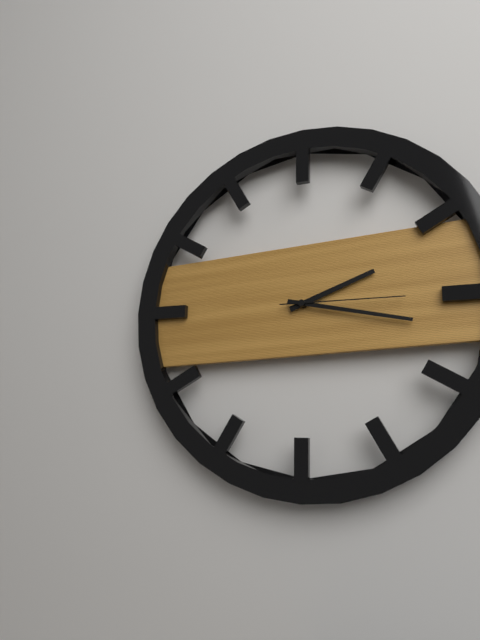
2:17:15
